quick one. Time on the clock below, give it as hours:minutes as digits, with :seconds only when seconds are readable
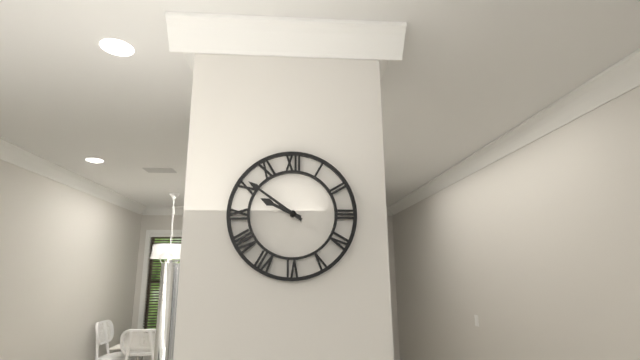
9:51
